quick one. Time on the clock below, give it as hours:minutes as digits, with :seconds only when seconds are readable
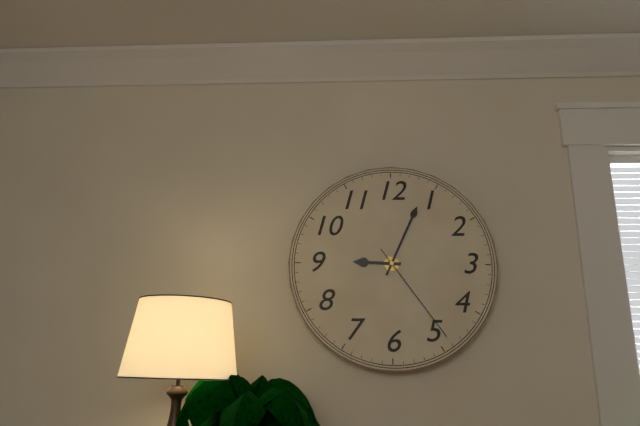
9:04:24
